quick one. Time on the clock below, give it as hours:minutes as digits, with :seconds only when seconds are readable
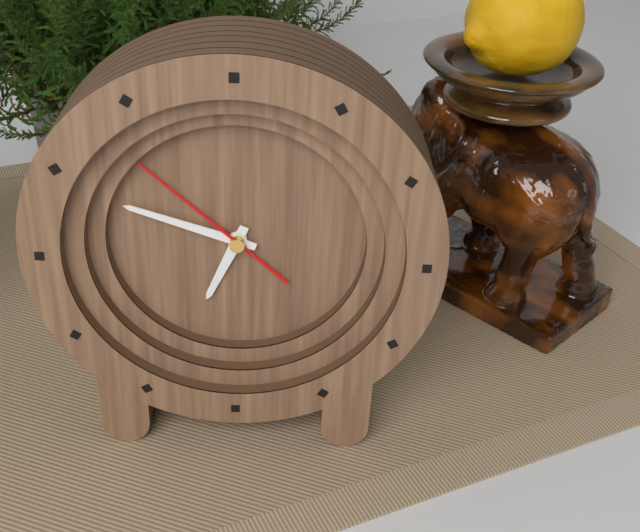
6:48:52
